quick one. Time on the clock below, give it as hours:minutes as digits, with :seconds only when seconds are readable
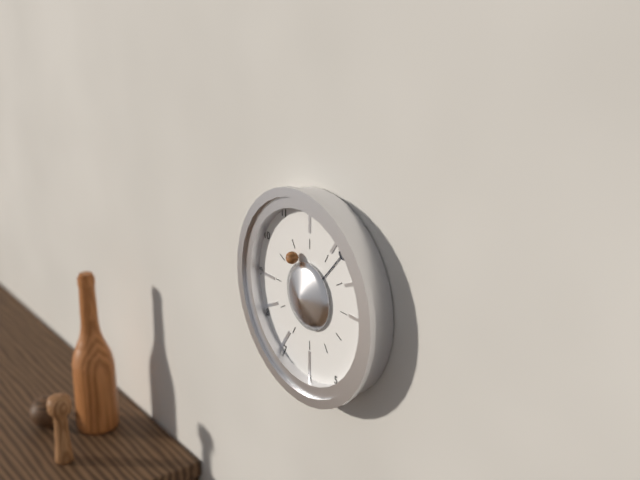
11:07
